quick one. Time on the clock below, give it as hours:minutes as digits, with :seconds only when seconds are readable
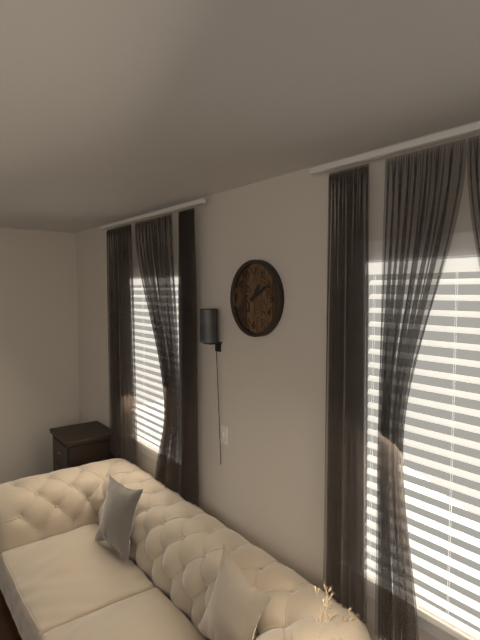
1:10
